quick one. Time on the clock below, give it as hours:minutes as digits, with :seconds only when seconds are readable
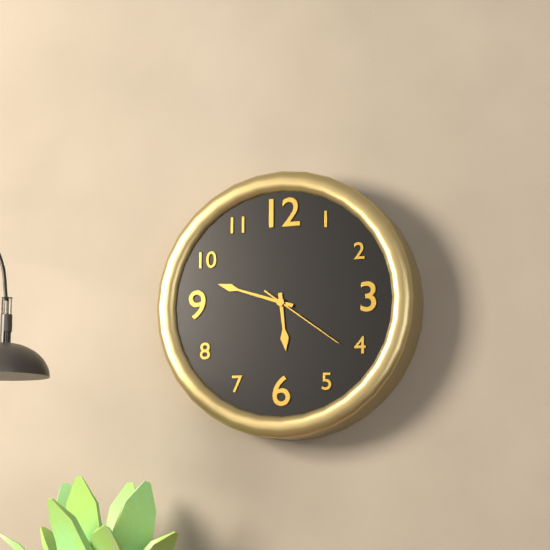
5:48:21
